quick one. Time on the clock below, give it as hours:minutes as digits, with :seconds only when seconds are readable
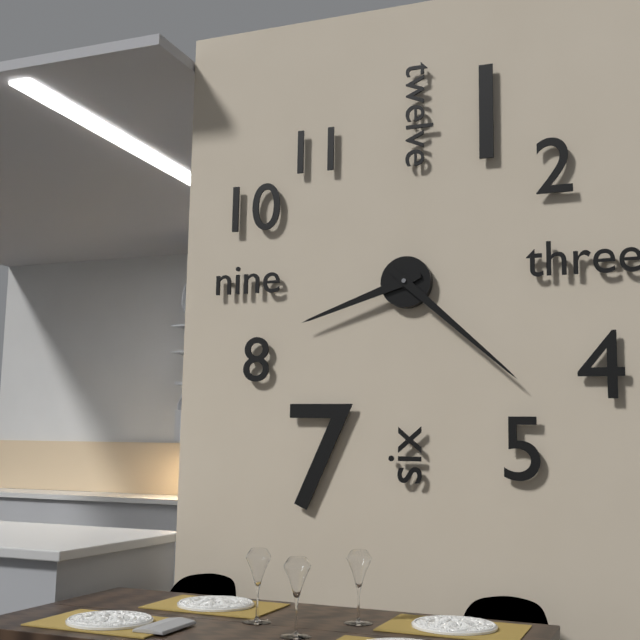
8:22
